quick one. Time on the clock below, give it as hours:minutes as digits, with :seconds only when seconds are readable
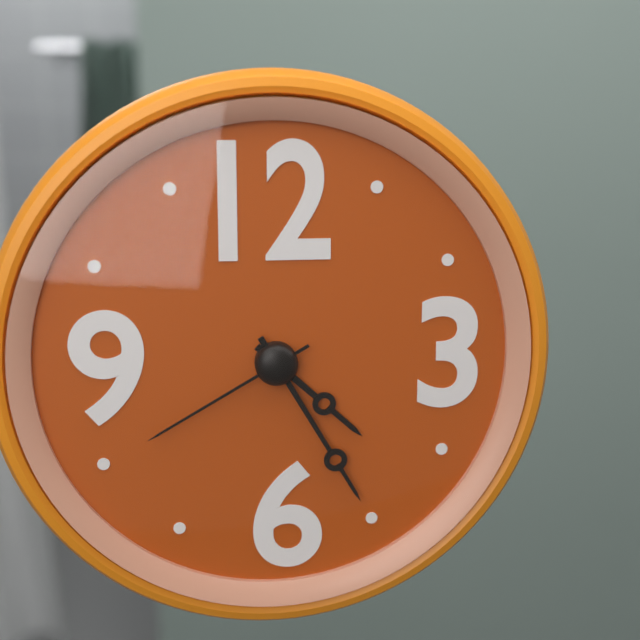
4:25:40
